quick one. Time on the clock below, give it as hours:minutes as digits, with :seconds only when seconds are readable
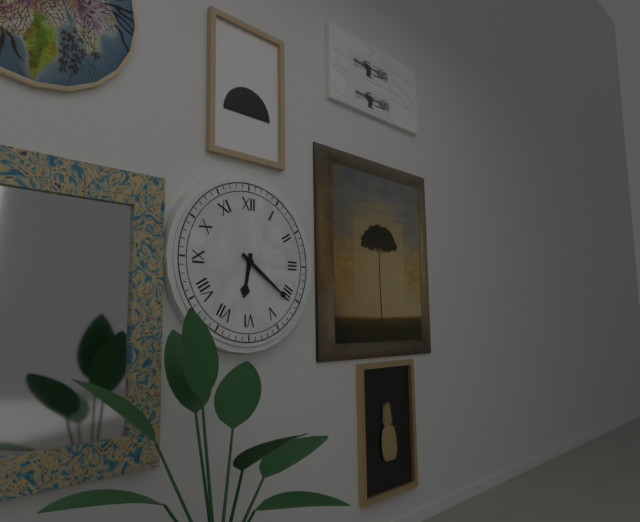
6:21
